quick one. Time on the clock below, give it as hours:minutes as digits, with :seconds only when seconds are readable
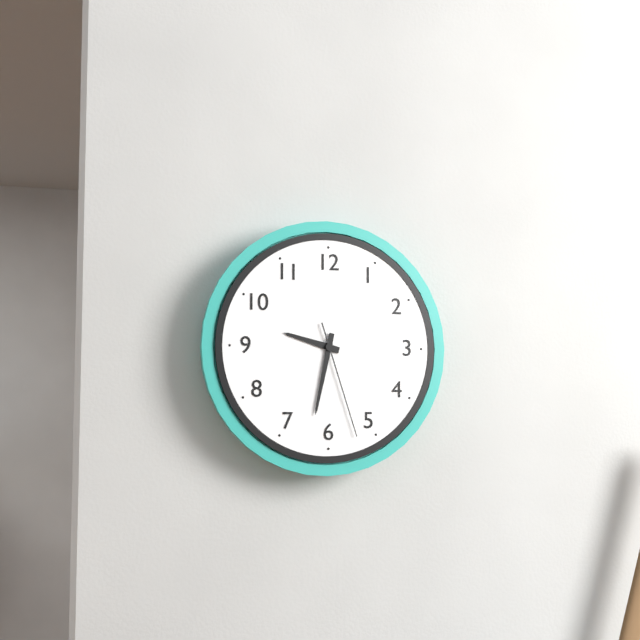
9:32:27
